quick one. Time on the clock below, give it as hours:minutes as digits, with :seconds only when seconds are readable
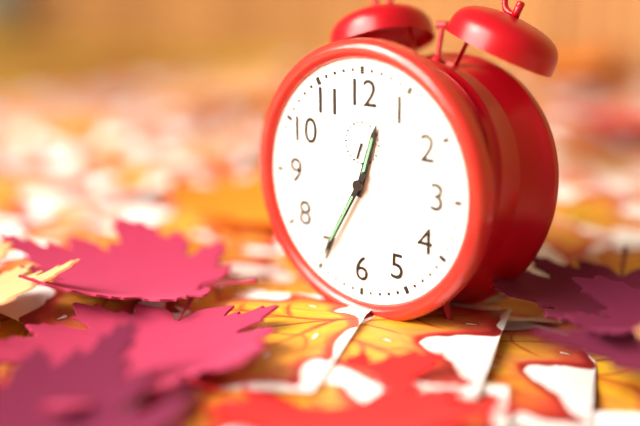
12:35
